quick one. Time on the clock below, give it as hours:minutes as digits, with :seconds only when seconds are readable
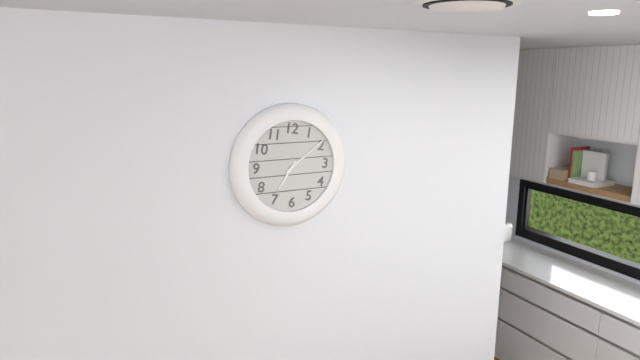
7:09
